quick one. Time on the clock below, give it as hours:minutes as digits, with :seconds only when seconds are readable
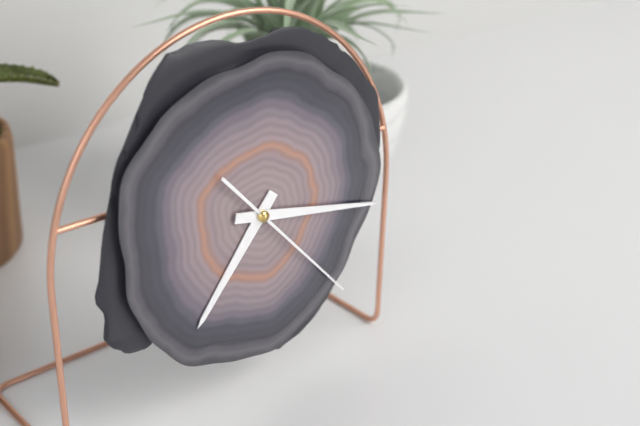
7:17:23
